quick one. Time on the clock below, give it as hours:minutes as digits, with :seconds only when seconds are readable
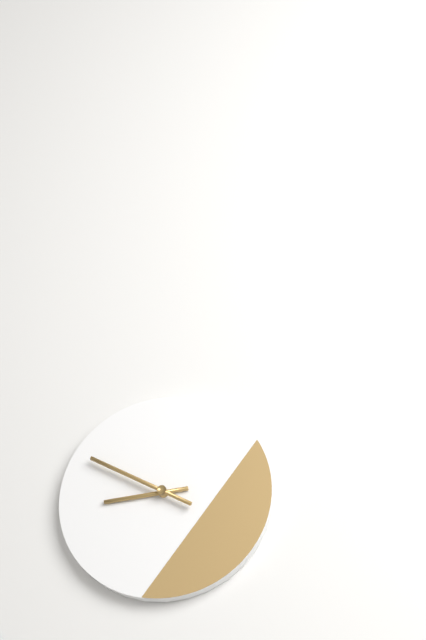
8:50
